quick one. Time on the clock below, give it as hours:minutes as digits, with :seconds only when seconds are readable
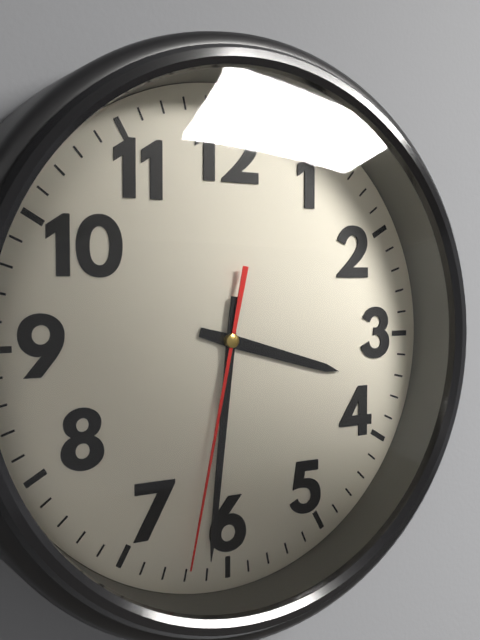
3:31:32
